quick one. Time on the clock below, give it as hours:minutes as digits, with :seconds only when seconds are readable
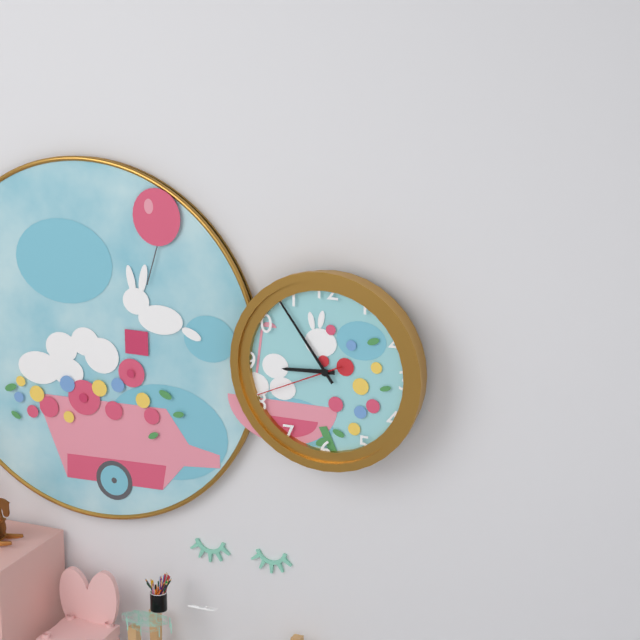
8:54:41
